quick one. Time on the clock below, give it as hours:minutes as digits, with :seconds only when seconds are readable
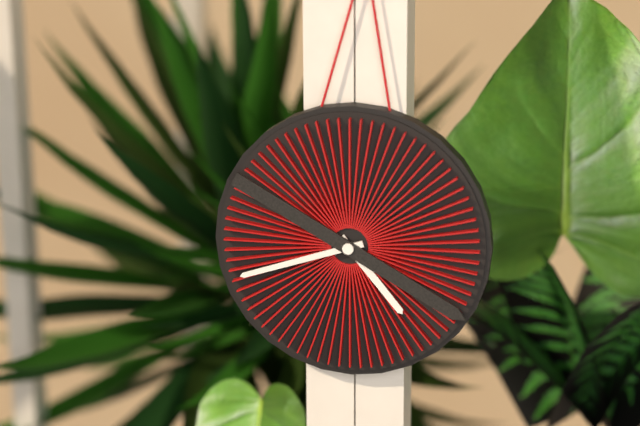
4:42:20
